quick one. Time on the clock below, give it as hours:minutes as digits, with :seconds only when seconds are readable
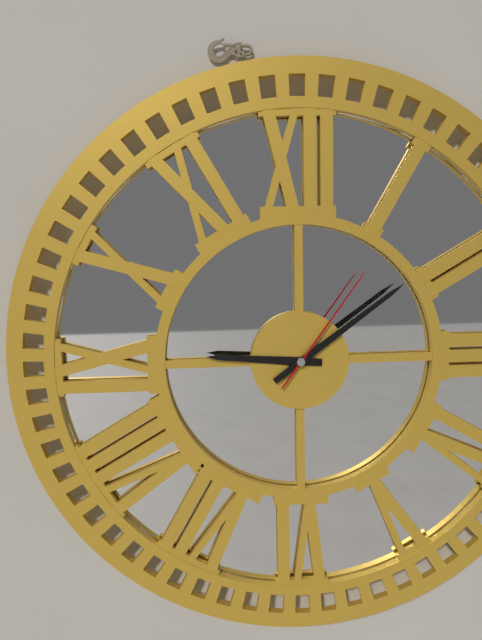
9:09:06
